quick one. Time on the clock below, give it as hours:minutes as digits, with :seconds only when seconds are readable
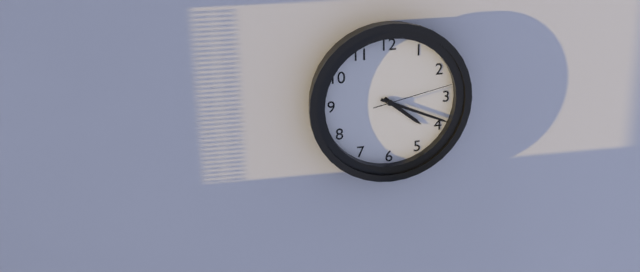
4:19:13
